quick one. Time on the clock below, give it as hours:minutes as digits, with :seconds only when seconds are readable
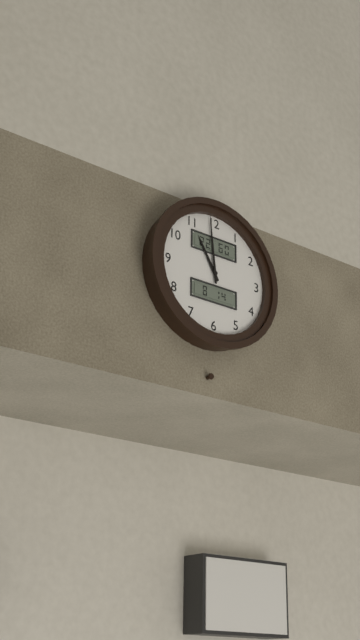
10:59
